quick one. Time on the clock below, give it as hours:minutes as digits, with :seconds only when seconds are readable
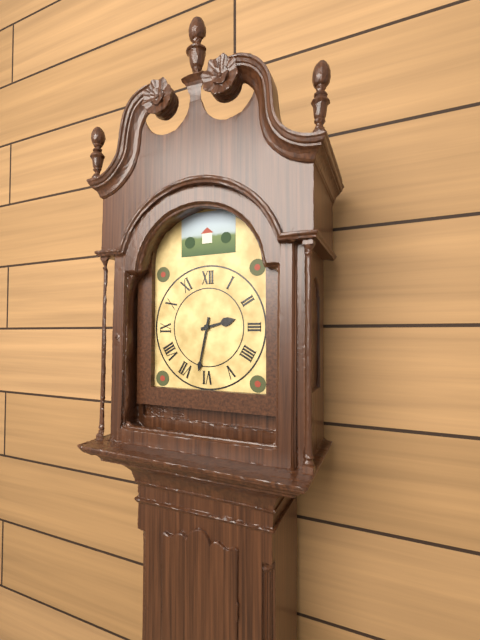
2:32
